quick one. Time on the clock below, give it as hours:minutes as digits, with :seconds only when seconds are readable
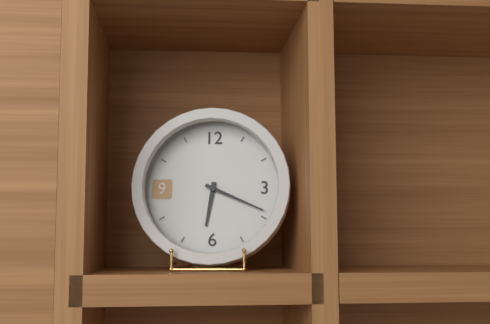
6:19
